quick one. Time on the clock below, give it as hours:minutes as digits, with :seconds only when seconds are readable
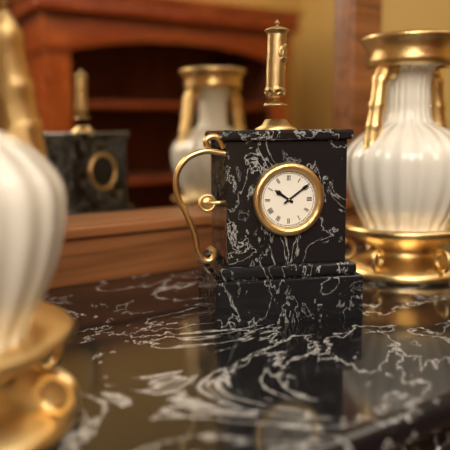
10:09
